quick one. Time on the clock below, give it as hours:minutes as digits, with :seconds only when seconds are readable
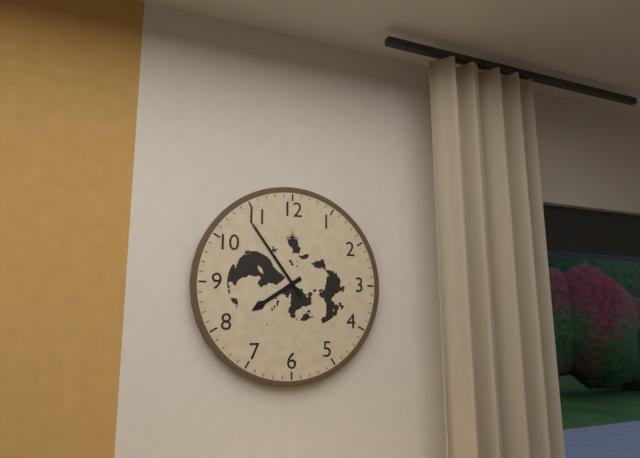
7:54
